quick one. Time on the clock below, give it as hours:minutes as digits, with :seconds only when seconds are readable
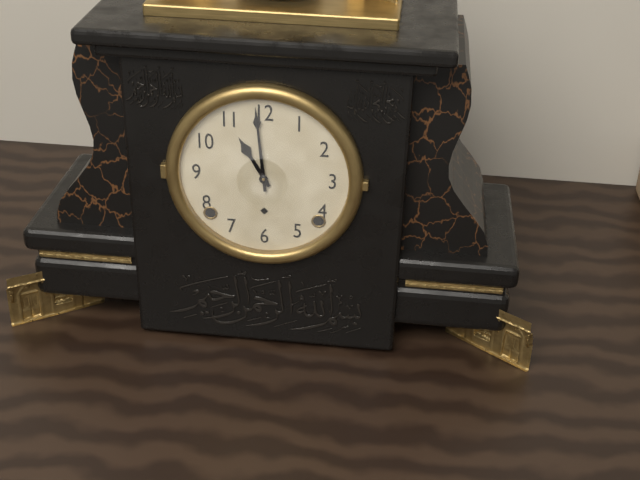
10:59
